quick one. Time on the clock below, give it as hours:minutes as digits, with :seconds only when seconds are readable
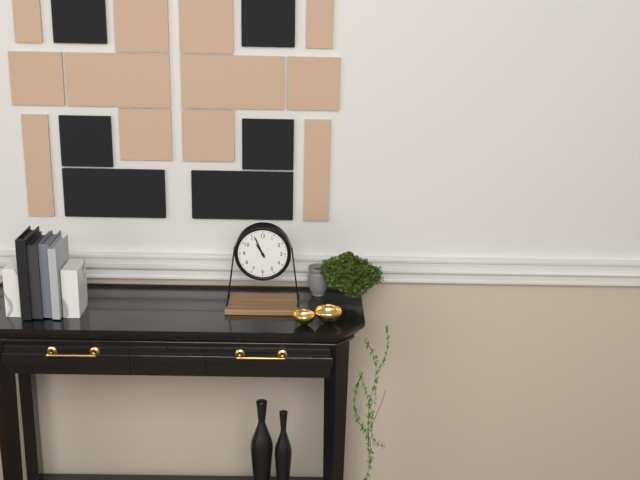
10:56
